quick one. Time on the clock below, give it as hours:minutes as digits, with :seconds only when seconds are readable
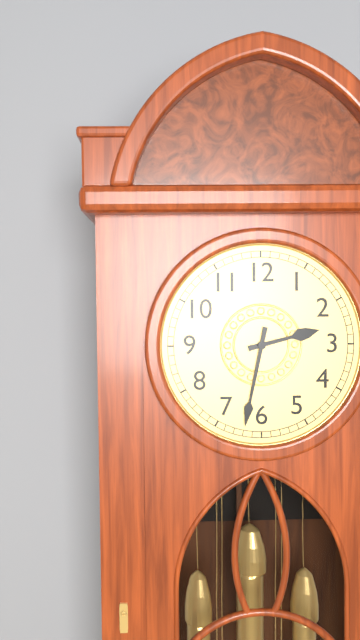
2:32
